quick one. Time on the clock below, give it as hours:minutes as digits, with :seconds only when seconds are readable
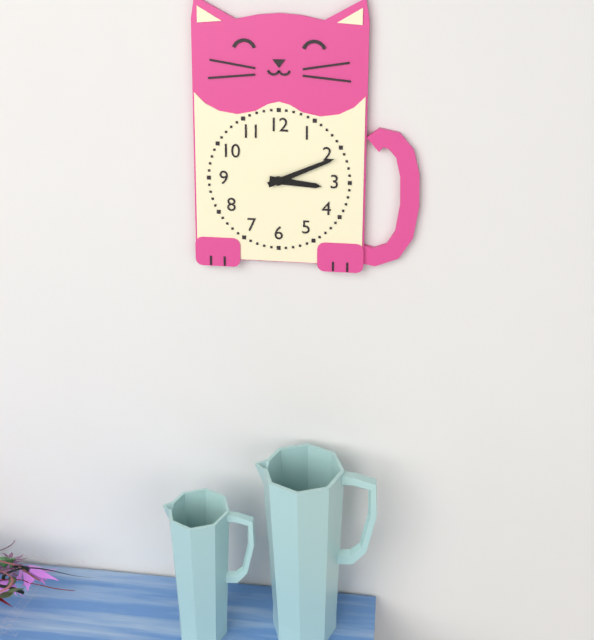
3:11
